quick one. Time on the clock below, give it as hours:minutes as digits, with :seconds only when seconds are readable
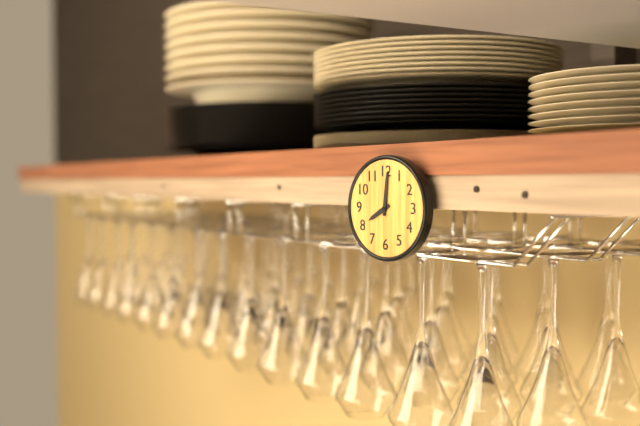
8:01
